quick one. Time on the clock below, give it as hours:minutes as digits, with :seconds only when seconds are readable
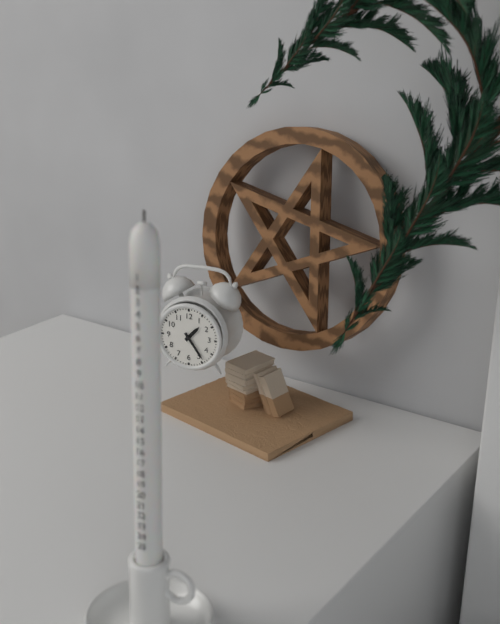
1:24
